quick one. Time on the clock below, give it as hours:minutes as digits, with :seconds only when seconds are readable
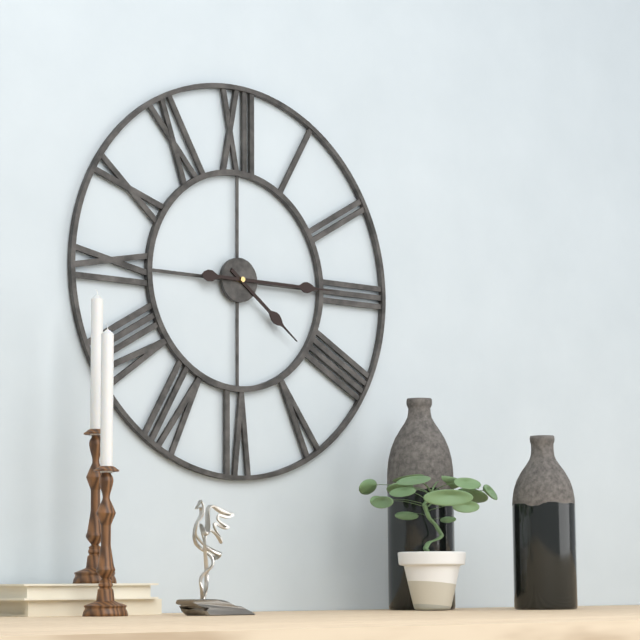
4:15
